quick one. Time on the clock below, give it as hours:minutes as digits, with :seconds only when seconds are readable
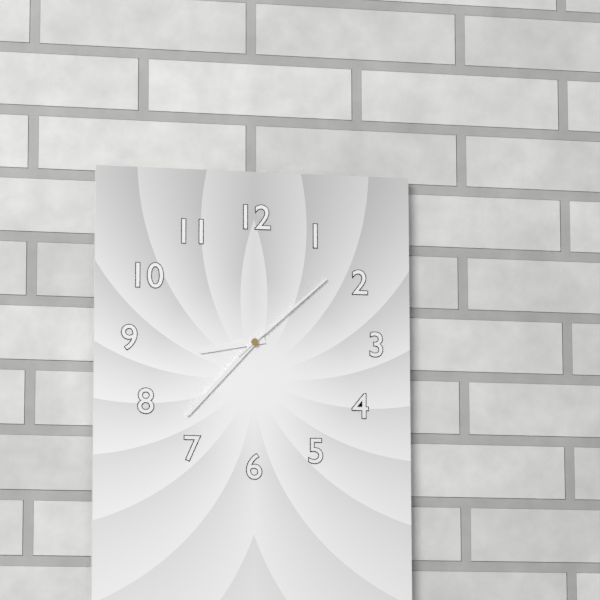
8:37:08
